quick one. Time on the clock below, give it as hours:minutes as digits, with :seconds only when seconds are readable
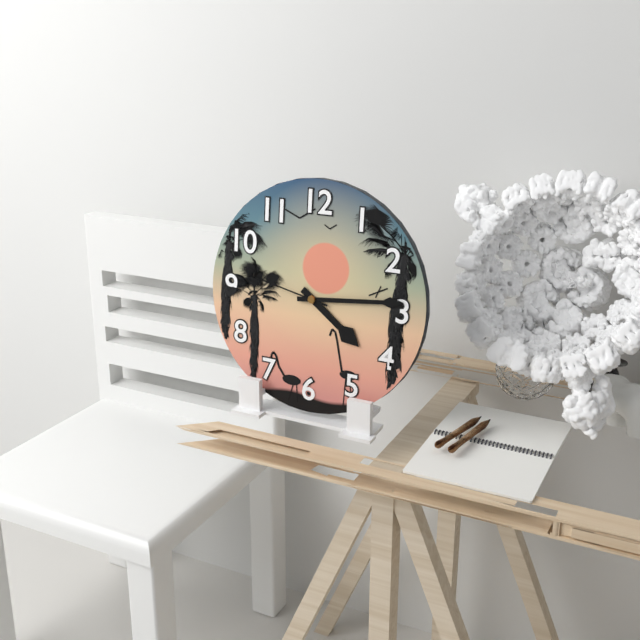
4:14:47
